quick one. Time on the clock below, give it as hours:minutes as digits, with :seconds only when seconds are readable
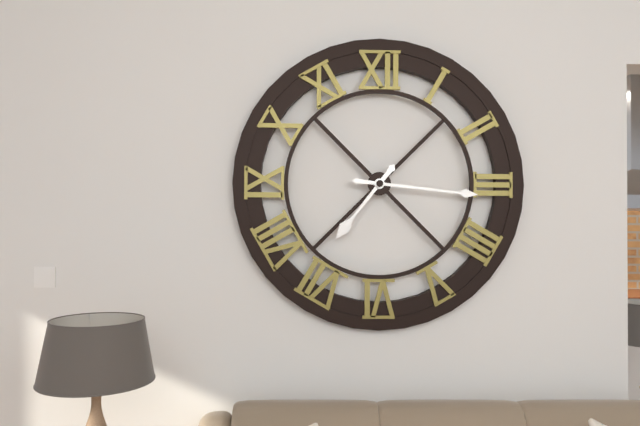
7:16
